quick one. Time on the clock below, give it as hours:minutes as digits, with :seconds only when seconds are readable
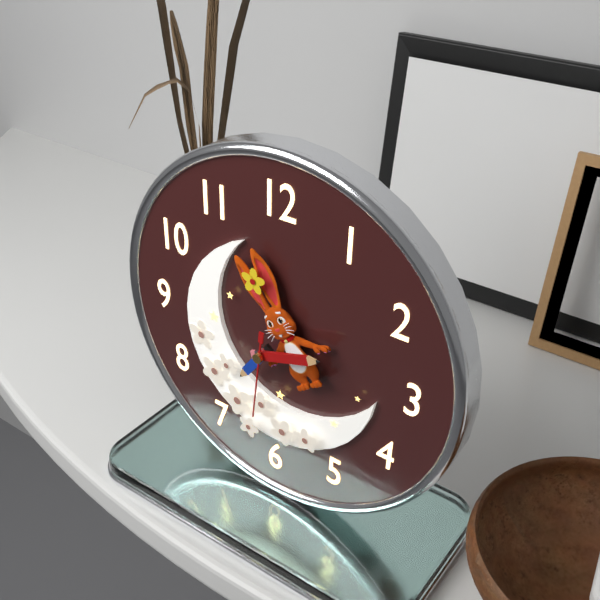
7:12:31
